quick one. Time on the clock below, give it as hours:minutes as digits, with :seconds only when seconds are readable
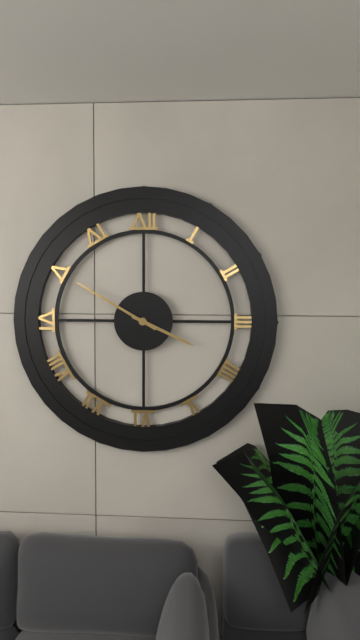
3:50
